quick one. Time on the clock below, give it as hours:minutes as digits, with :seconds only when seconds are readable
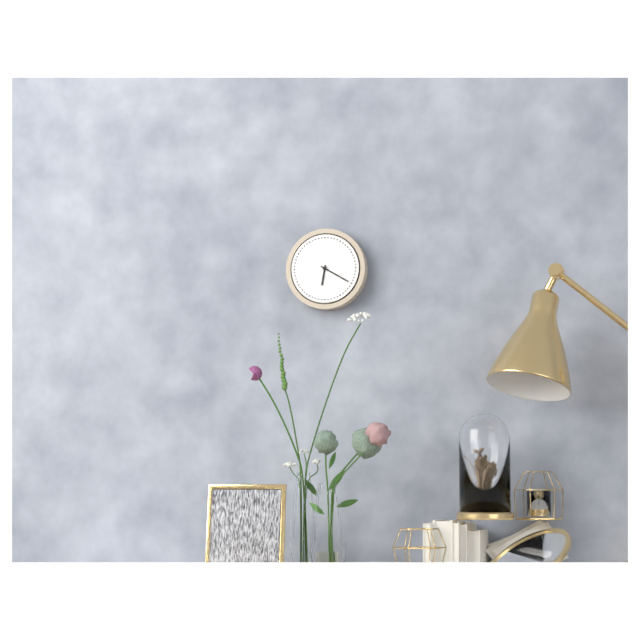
6:20
